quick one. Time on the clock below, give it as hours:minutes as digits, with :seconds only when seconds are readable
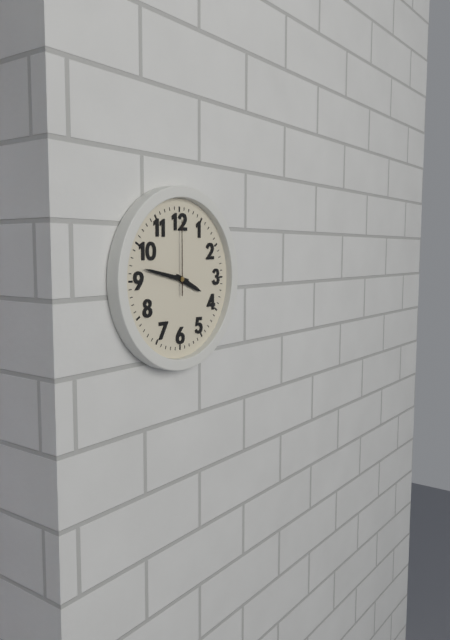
3:47:00
